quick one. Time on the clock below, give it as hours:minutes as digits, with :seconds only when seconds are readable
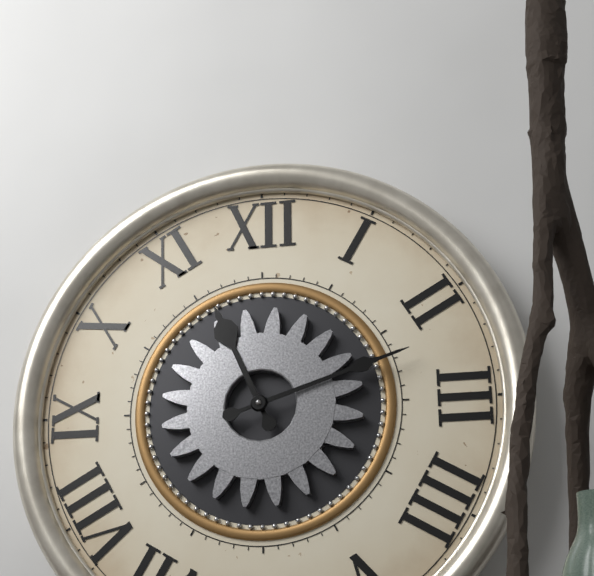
11:12
